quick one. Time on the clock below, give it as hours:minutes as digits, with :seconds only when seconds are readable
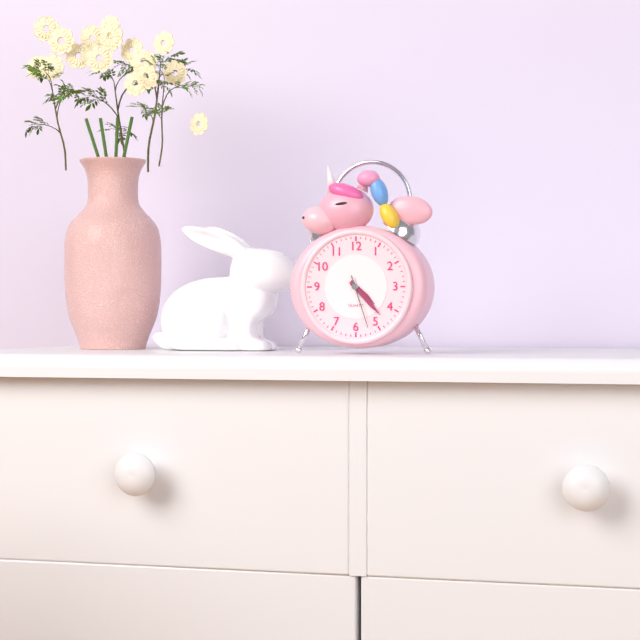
4:23:27
